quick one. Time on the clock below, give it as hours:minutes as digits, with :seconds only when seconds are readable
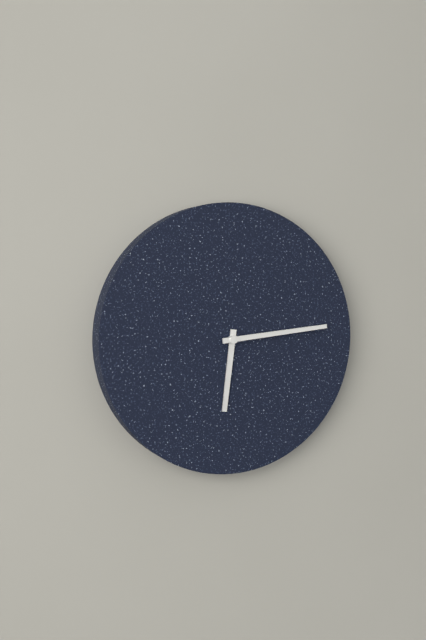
6:14
